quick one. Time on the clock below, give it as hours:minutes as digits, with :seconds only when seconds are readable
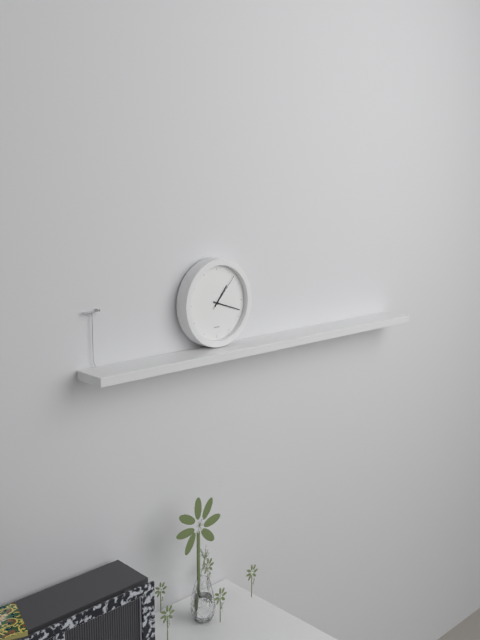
1:18
